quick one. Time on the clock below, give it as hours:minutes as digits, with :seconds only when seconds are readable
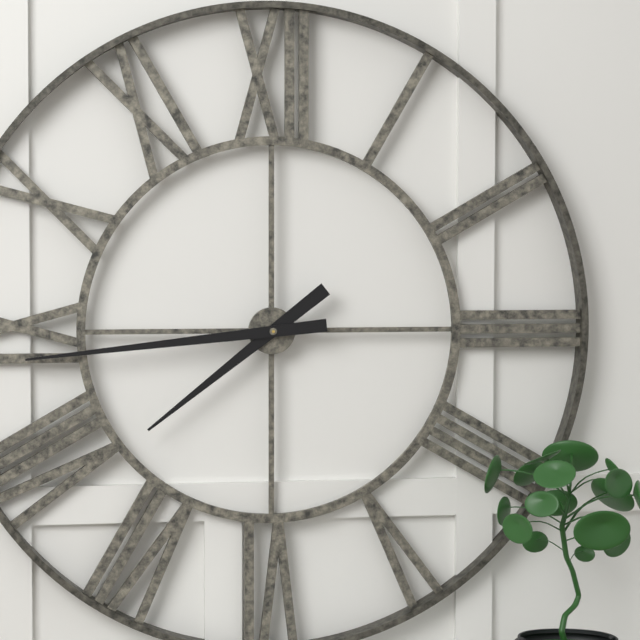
7:44
